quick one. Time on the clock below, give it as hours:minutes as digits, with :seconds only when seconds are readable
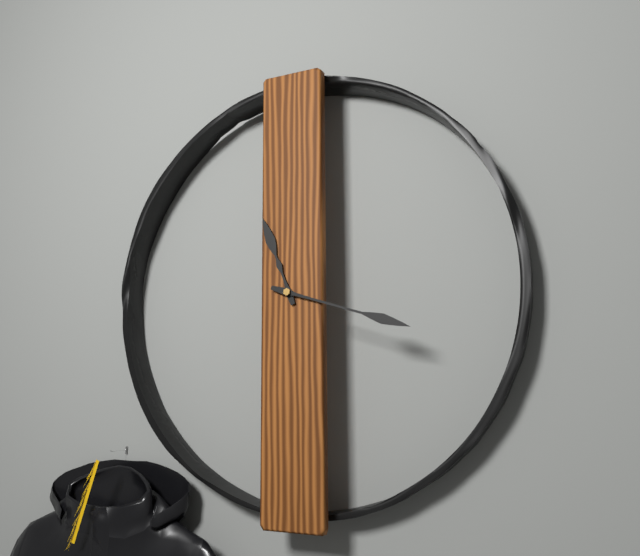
11:18
